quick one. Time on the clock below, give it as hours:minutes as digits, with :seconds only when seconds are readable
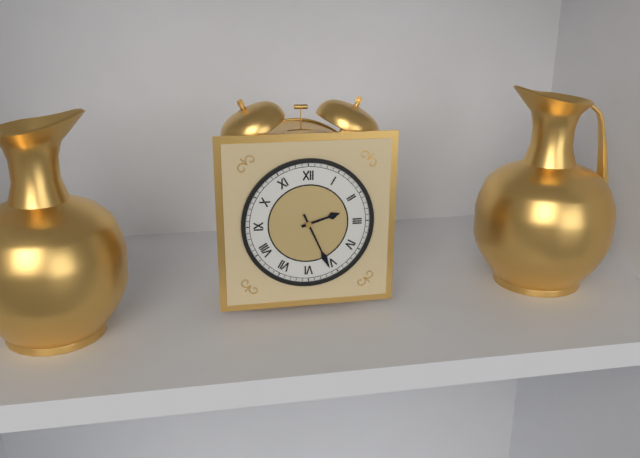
2:26
